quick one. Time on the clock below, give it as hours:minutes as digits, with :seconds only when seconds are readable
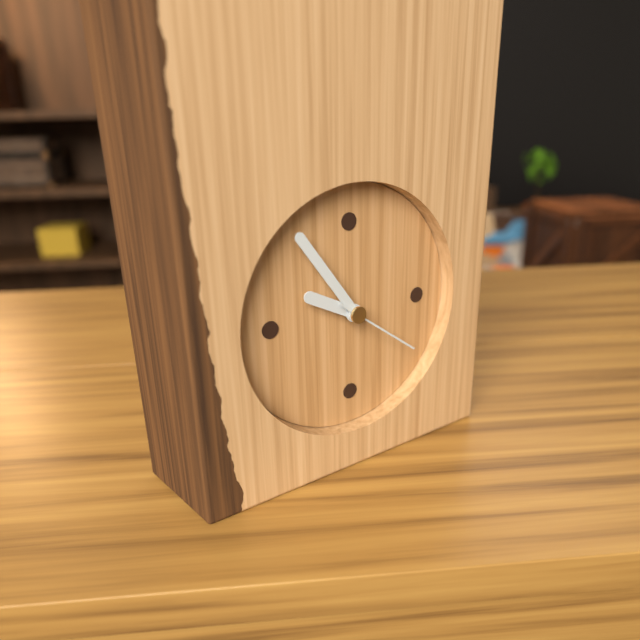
9:54:21
